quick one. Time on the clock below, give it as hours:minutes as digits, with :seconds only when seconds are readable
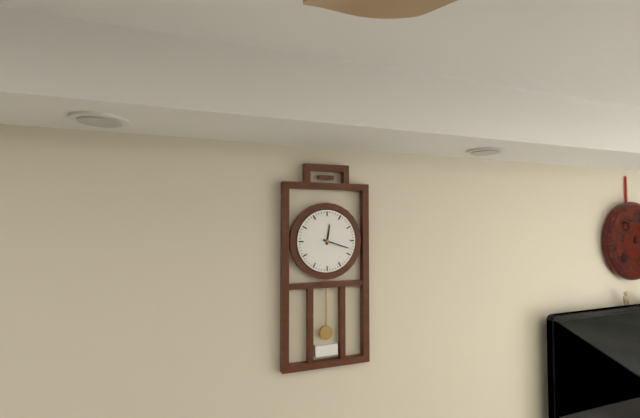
12:18
